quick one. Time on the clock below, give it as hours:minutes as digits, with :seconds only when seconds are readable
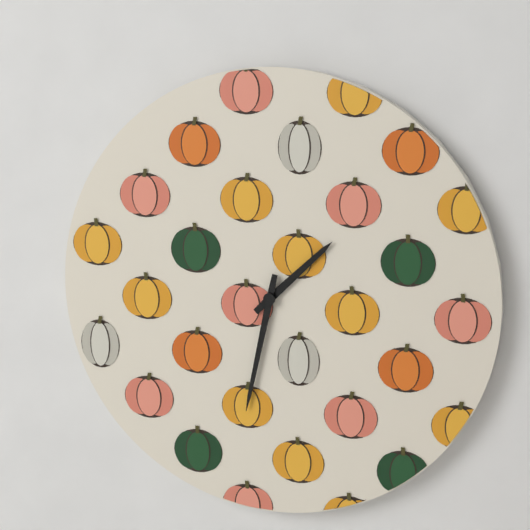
1:32
